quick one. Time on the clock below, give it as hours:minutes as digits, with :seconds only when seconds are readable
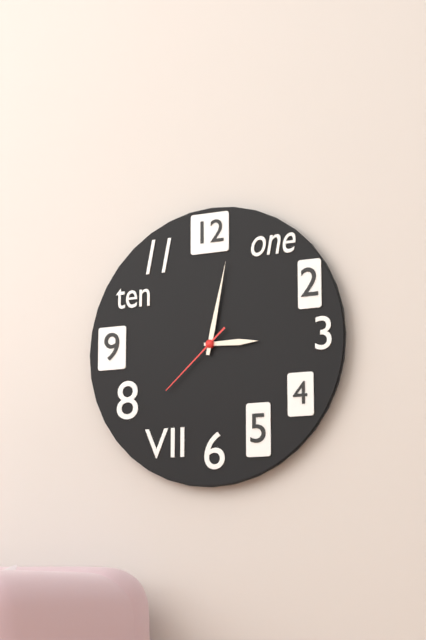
3:02:38
